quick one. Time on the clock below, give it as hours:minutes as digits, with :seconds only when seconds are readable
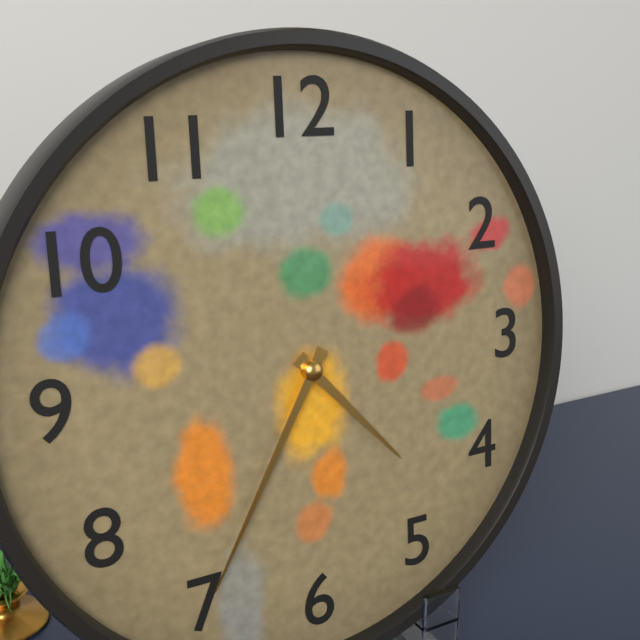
4:35
